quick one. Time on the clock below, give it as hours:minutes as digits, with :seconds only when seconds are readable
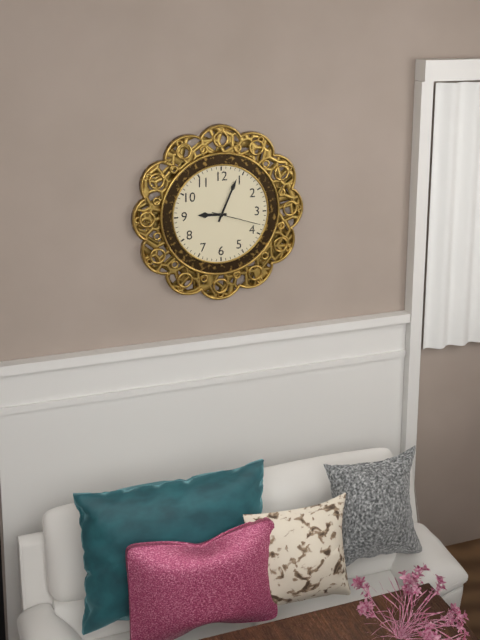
9:04:18
